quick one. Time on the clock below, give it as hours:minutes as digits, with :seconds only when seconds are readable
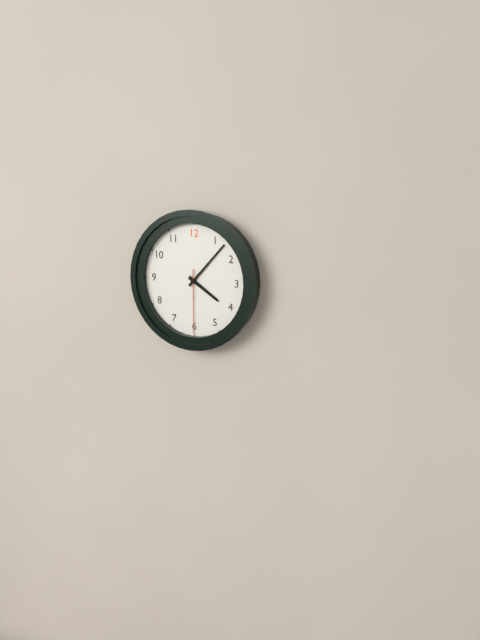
4:07:30
